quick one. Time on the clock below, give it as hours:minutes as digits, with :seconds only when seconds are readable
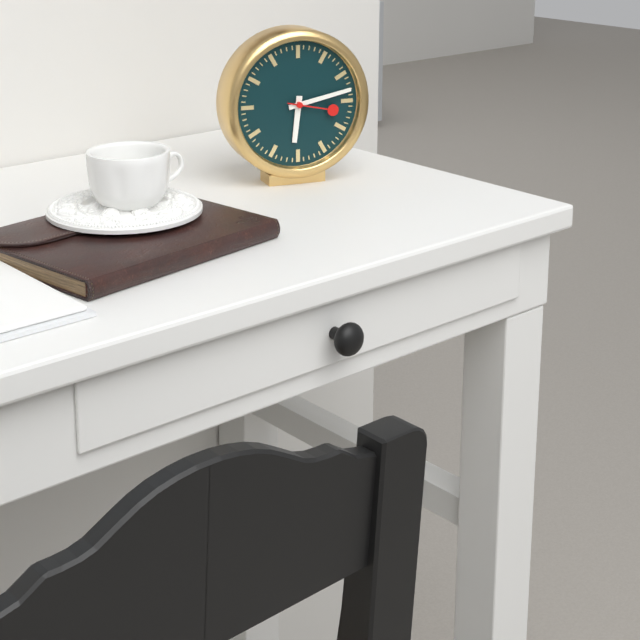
6:13:17
